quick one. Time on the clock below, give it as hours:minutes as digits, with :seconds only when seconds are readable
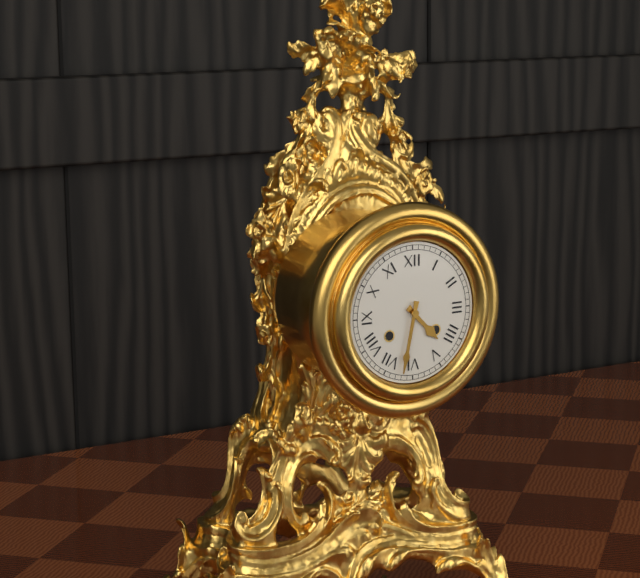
4:32
